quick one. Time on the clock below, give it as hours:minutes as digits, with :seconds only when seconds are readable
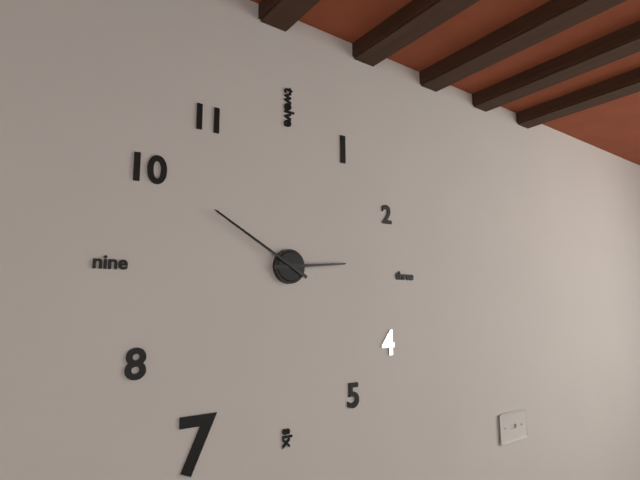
2:50
